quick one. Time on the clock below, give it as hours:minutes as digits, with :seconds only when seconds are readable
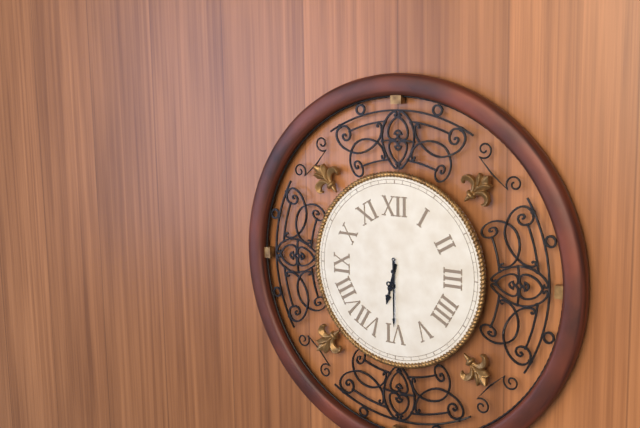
6:30
